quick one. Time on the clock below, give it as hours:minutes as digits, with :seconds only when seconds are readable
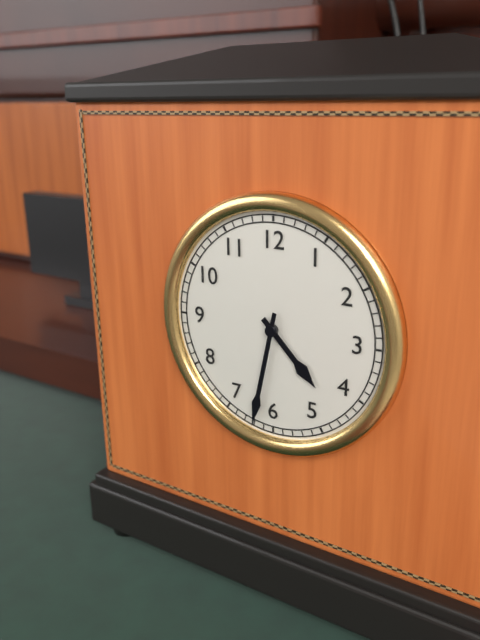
4:32
